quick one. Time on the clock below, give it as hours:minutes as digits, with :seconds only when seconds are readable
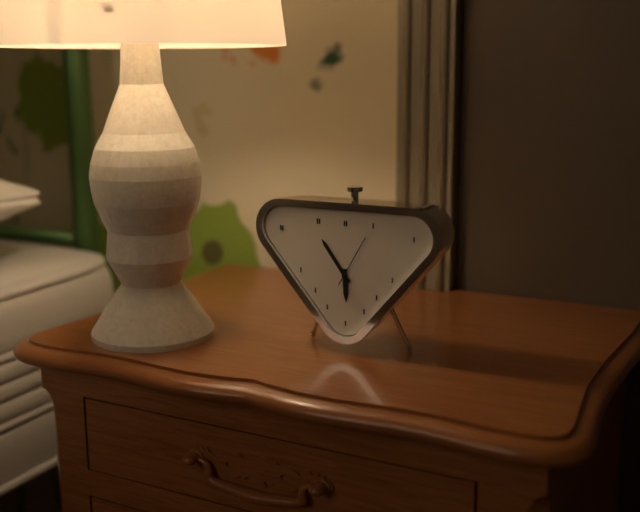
5:54:05
